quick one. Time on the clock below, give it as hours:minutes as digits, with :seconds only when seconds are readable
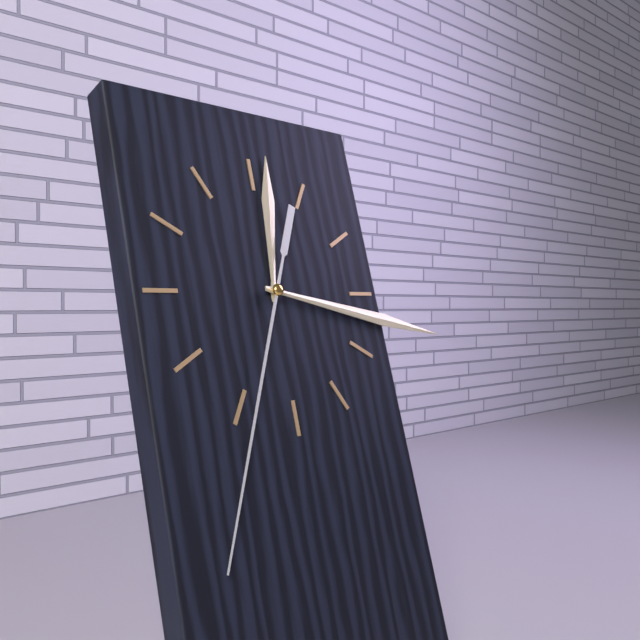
12:17:34
